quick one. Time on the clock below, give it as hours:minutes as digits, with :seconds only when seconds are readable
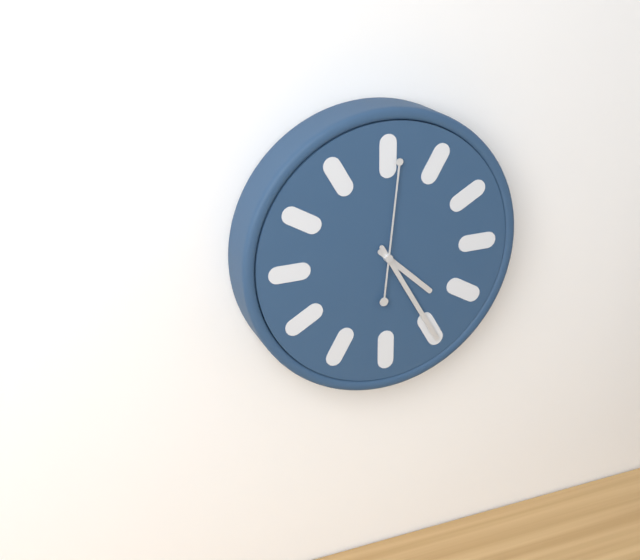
4:25:01
